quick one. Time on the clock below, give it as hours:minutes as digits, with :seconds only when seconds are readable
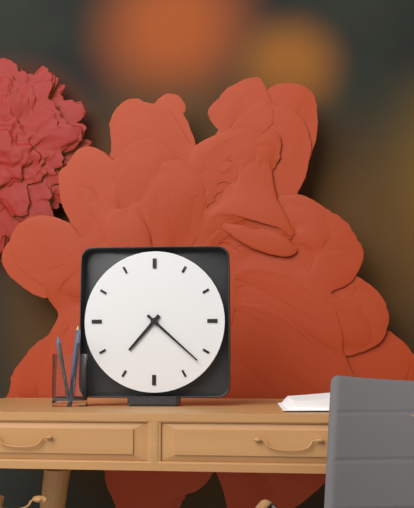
7:22
